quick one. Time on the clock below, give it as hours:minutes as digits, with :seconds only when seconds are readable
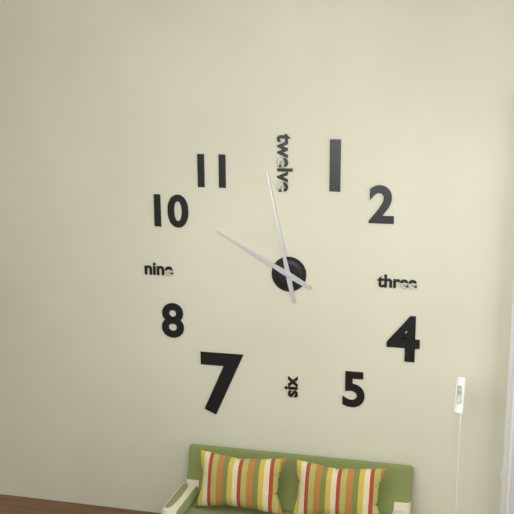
9:58
